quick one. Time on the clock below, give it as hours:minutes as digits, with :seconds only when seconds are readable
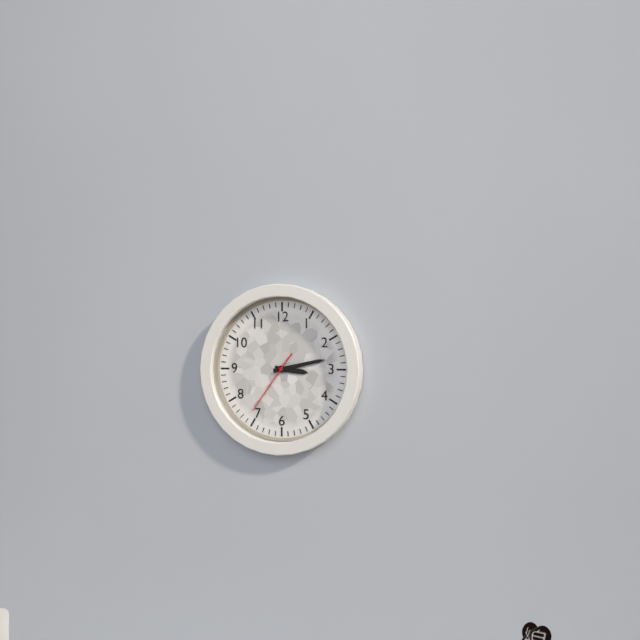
3:13:36
